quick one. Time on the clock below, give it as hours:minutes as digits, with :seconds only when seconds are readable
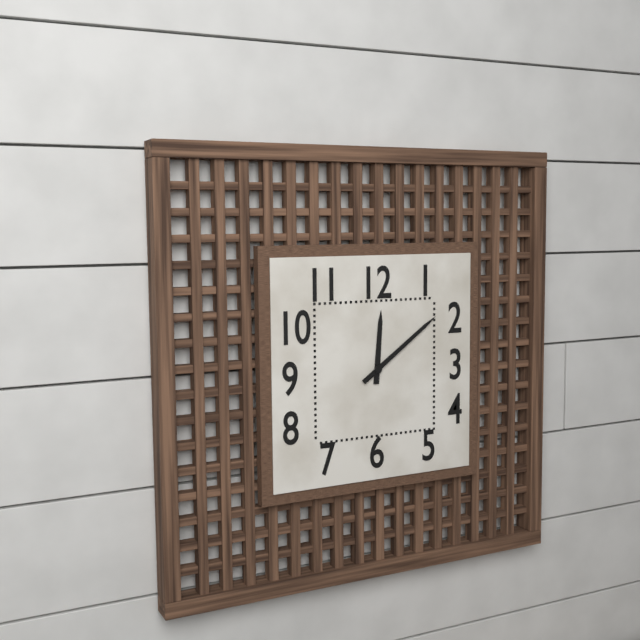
12:09
